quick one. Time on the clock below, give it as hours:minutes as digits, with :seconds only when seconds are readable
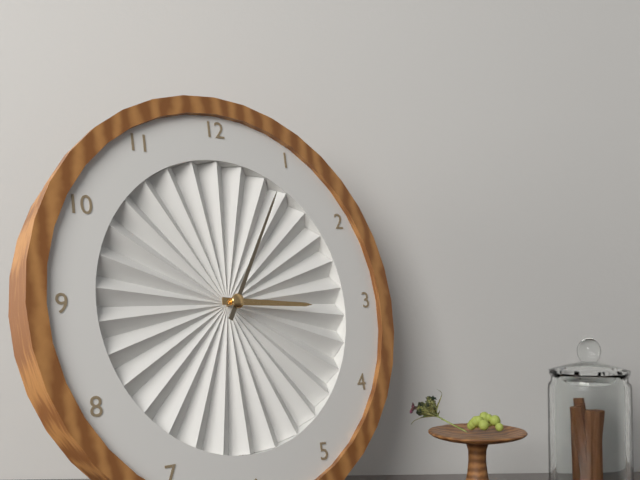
3:05
